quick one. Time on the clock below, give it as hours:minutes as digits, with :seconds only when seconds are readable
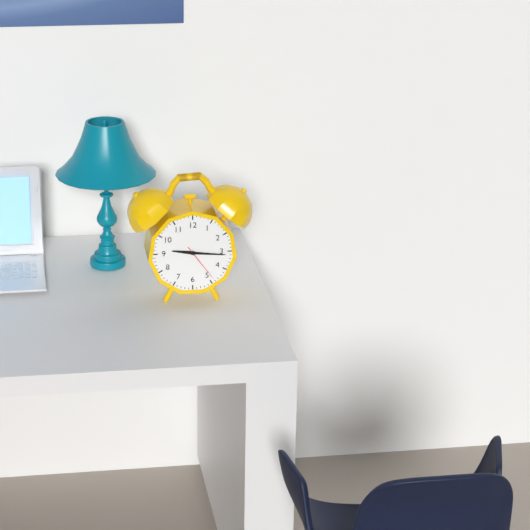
9:16
